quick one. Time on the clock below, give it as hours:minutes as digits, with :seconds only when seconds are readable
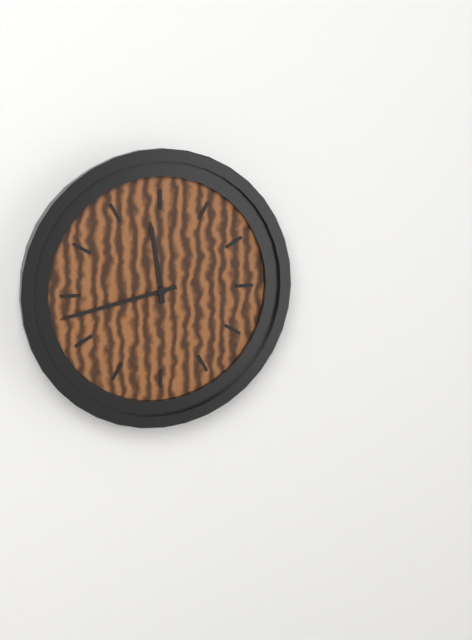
11:43
